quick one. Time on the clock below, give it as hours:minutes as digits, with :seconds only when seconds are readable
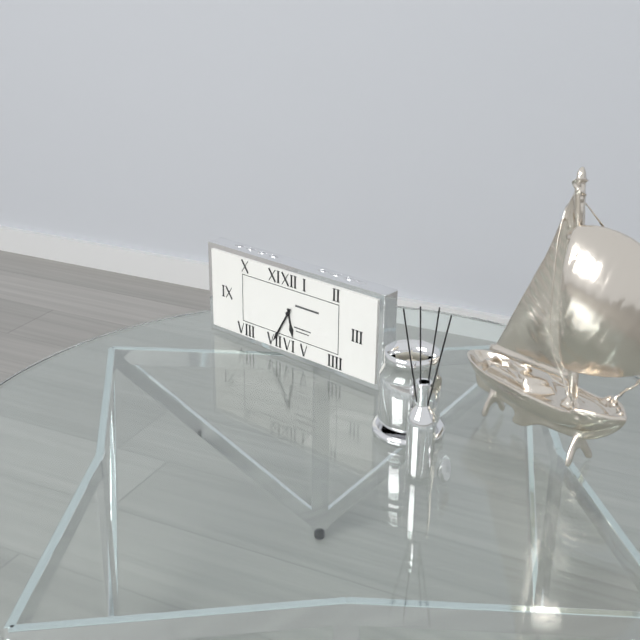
5:35
